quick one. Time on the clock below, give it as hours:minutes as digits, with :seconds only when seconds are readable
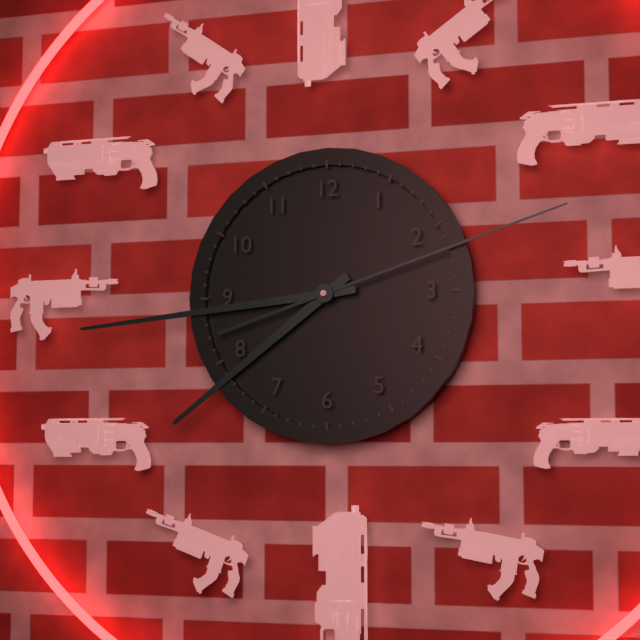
7:44:12
